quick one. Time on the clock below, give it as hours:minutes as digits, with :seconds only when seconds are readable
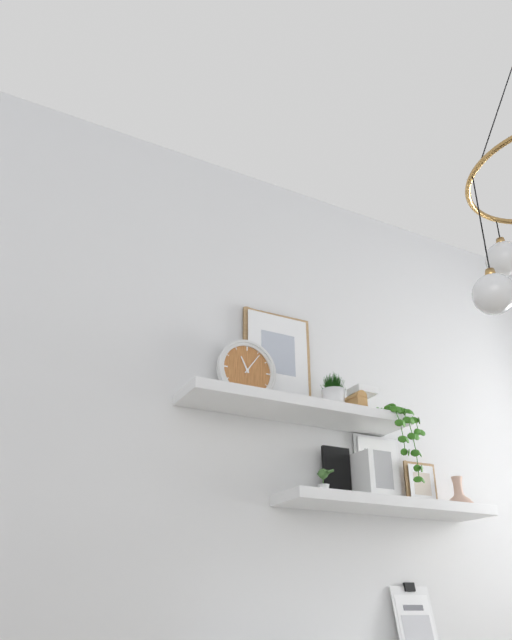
11:06
